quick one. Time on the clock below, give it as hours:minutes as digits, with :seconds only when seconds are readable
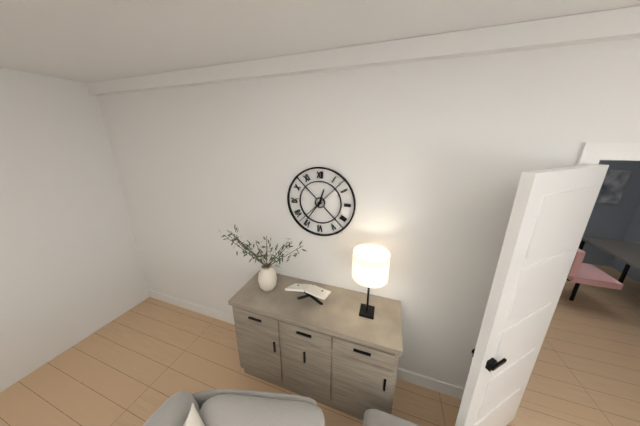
12:36
